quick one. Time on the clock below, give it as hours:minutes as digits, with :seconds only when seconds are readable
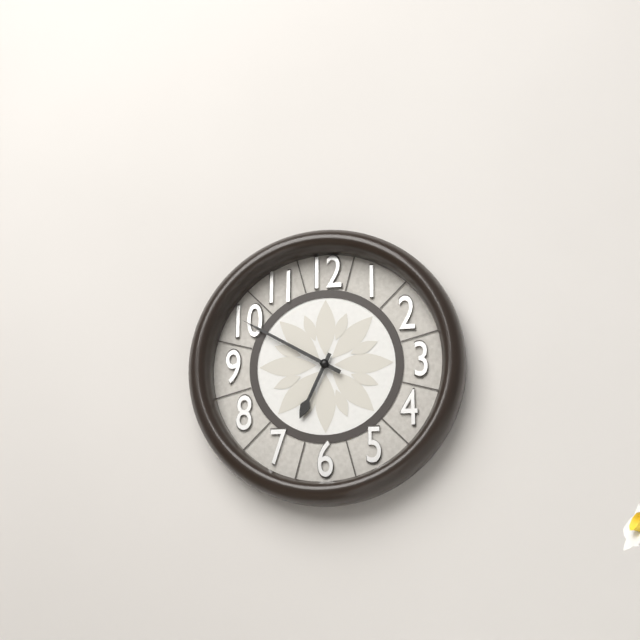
6:50
